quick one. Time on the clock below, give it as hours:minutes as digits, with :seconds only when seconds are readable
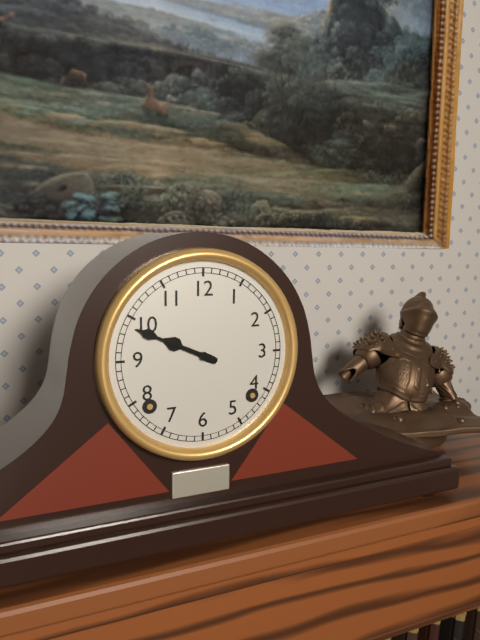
9:49
